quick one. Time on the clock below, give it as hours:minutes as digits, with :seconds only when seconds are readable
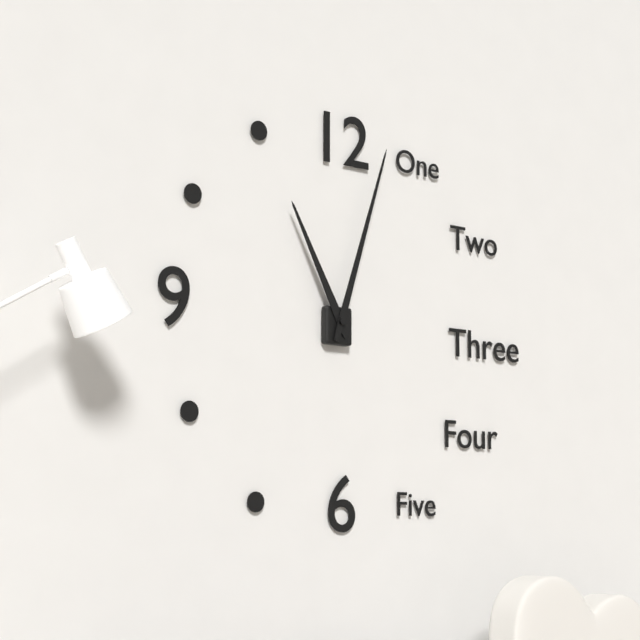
11:03
